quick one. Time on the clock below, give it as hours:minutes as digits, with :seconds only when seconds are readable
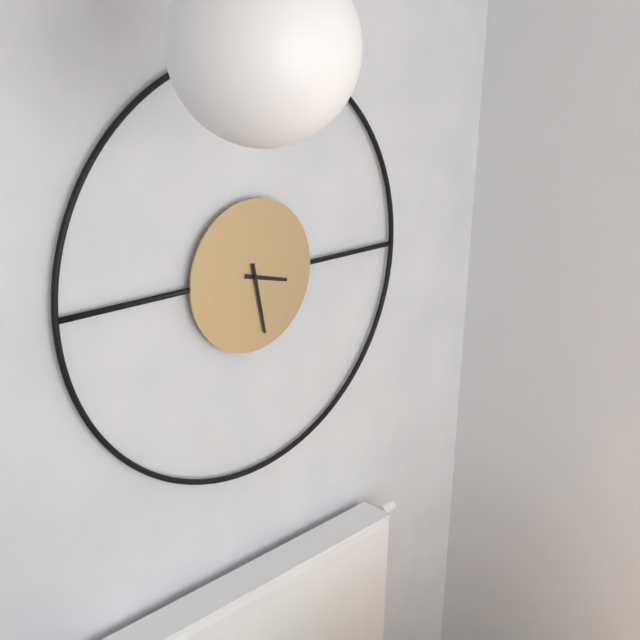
3:28
